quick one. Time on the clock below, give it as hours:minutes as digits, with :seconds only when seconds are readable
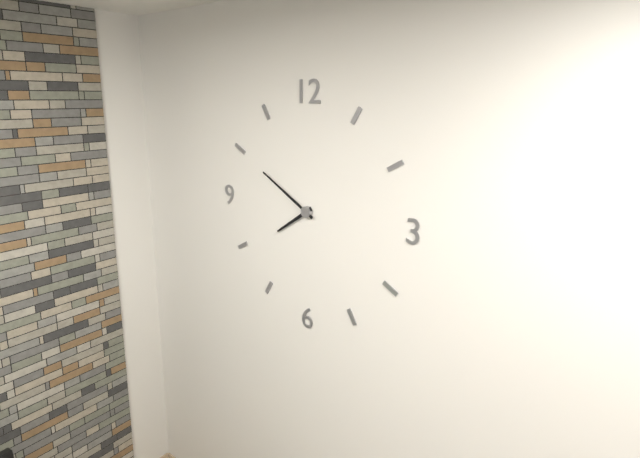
7:50
